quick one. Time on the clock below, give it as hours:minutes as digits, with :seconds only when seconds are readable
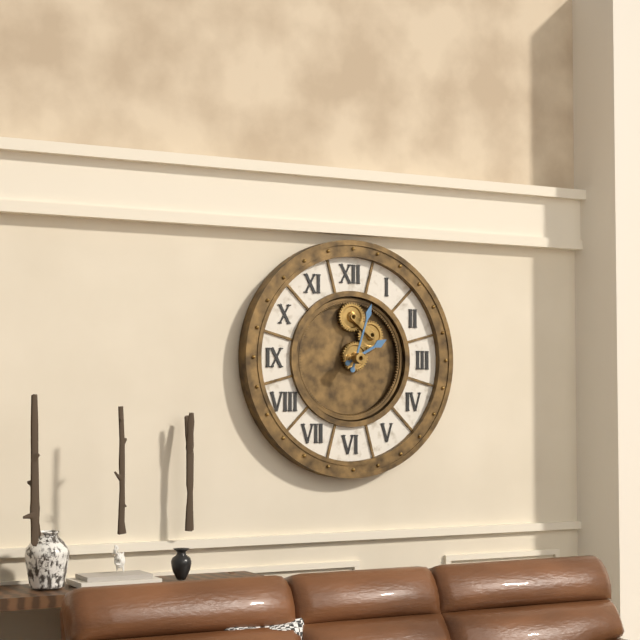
2:03
